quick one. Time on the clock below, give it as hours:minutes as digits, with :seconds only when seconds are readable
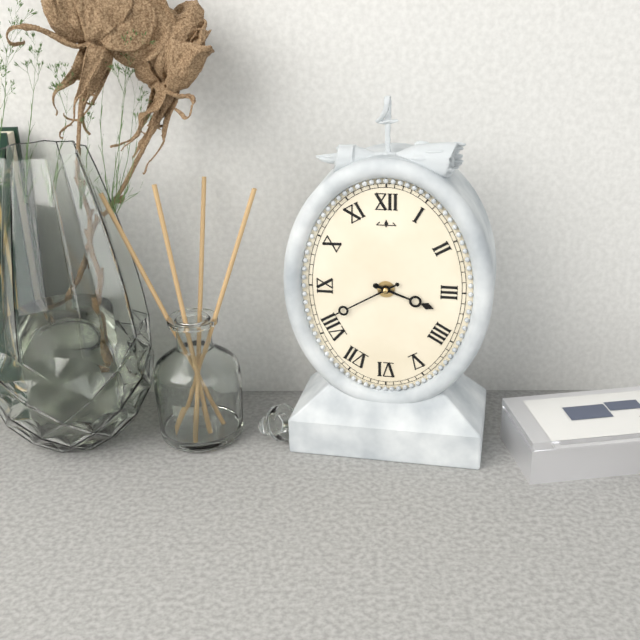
3:40
